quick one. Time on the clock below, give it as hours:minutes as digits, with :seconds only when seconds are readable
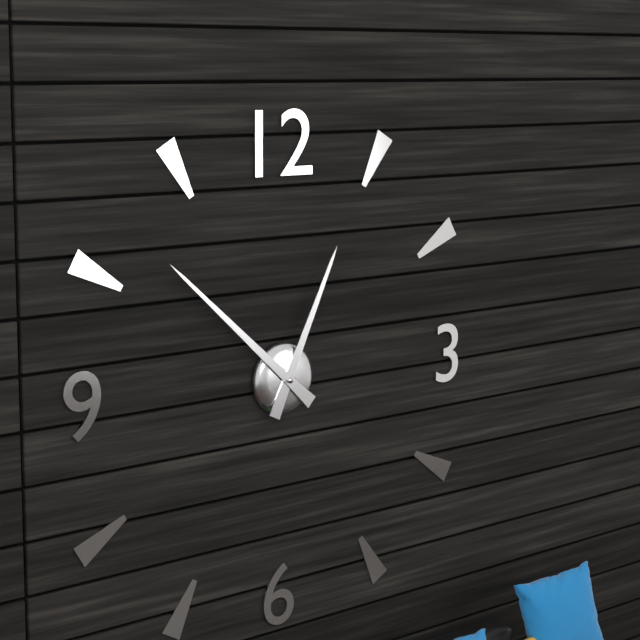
12:52
